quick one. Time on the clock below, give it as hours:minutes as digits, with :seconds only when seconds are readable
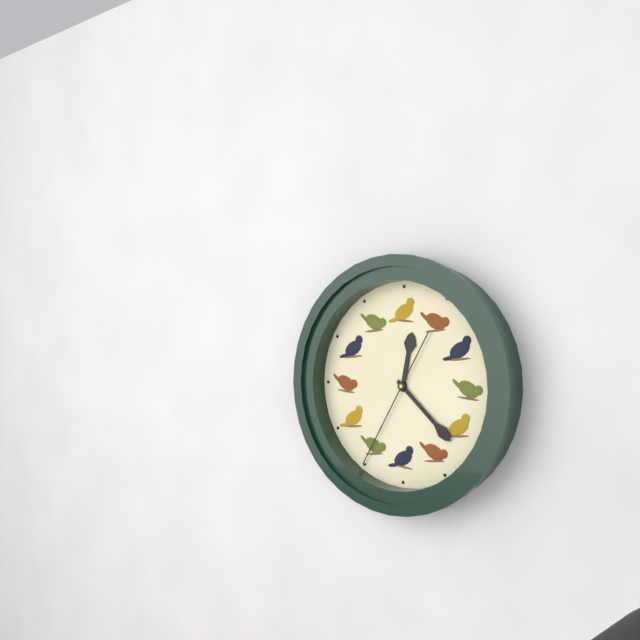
12:22:35
